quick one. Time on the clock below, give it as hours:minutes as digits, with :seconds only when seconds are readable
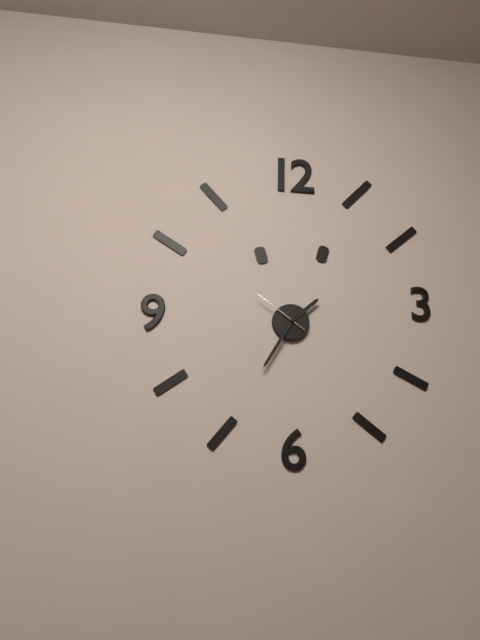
1:35:51
